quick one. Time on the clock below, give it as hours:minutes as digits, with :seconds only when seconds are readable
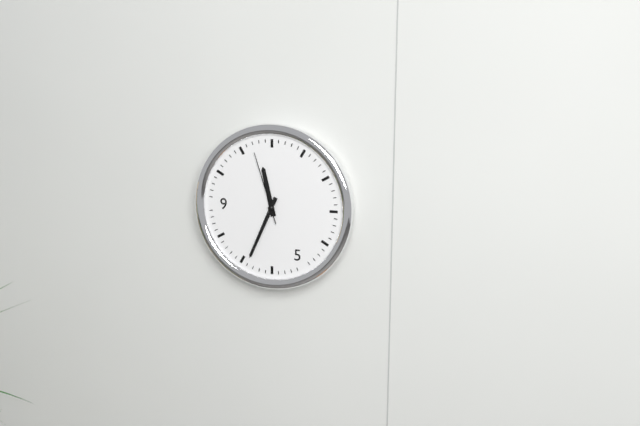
11:34:57
